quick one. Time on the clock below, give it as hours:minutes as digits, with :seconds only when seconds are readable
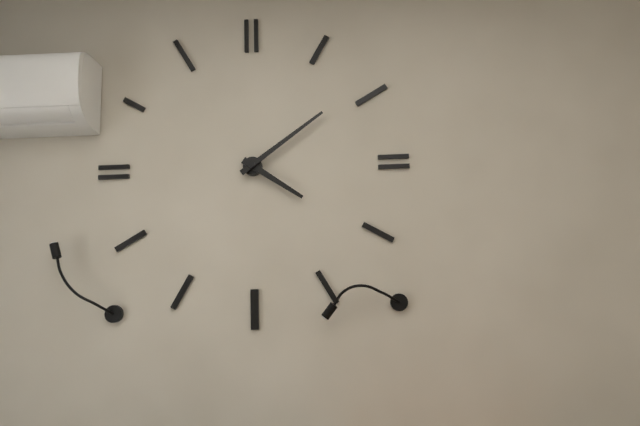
4:09
